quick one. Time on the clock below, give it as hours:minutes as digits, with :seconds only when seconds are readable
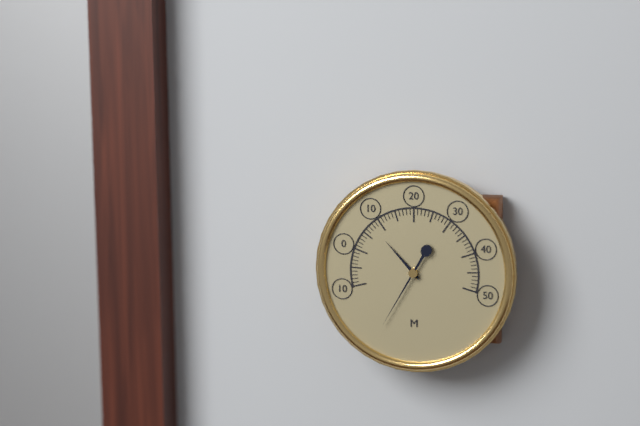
10:35
